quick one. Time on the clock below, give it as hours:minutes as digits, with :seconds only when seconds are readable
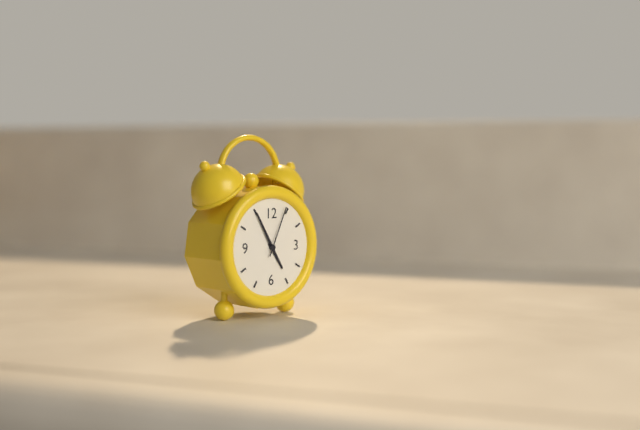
4:55:04
